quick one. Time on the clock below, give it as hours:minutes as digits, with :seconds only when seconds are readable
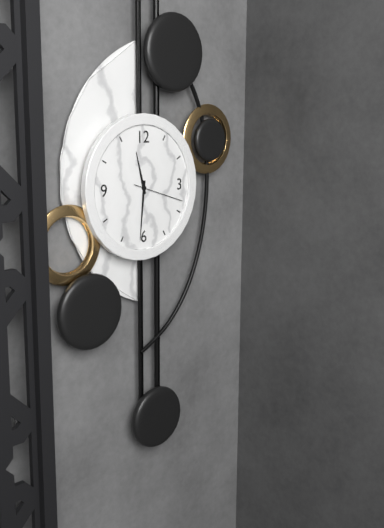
11:31:18
